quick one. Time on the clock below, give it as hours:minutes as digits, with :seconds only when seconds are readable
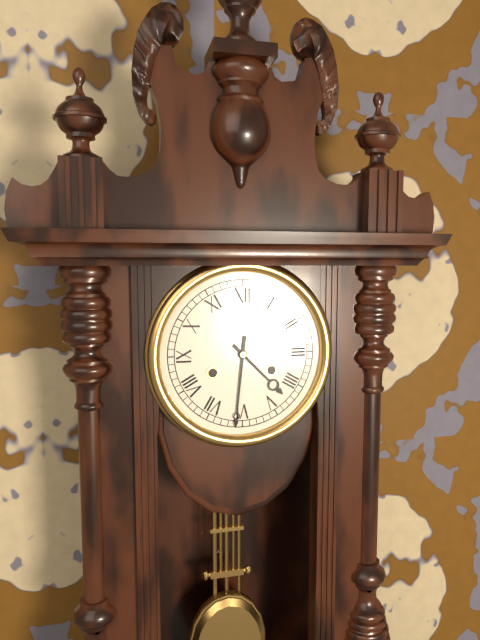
4:31
